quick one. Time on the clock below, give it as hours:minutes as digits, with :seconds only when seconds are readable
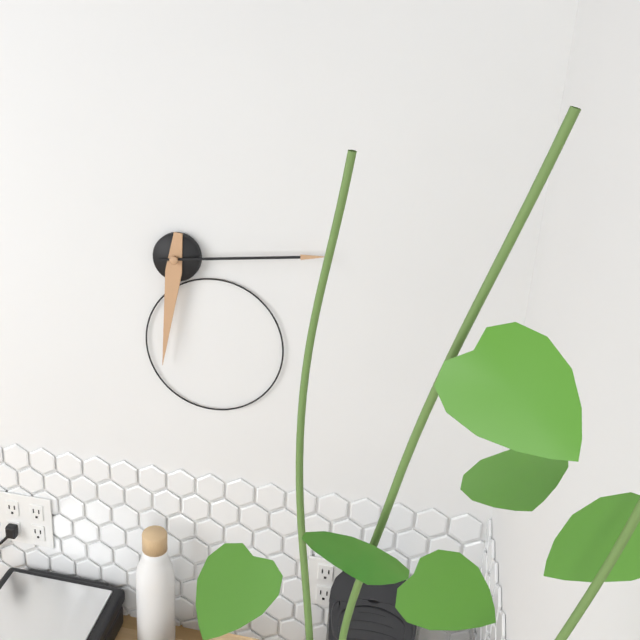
6:14
